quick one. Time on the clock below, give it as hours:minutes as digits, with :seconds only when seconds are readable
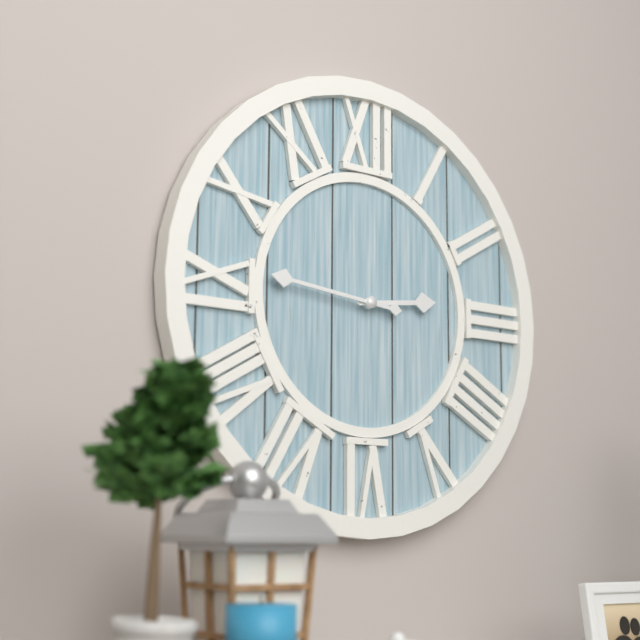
2:46
